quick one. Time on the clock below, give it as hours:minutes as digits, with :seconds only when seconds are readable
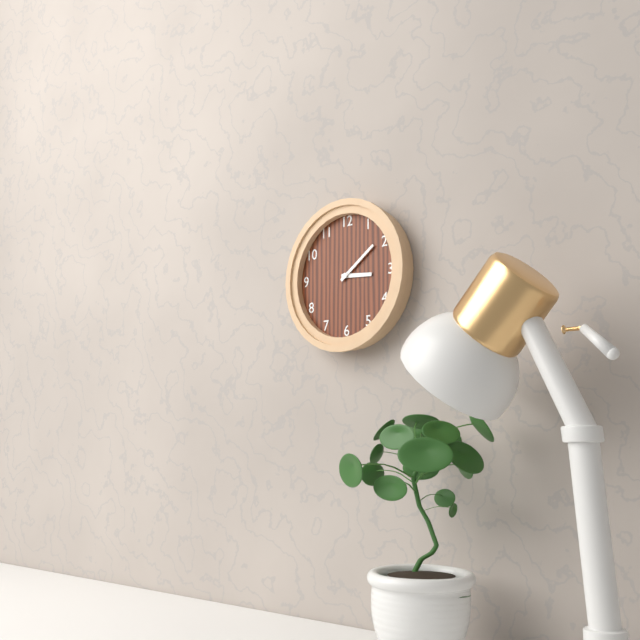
3:09
